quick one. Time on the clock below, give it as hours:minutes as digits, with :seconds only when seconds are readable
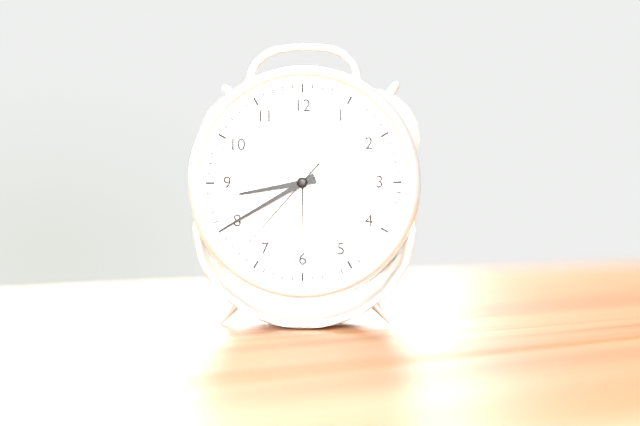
8:40:37
